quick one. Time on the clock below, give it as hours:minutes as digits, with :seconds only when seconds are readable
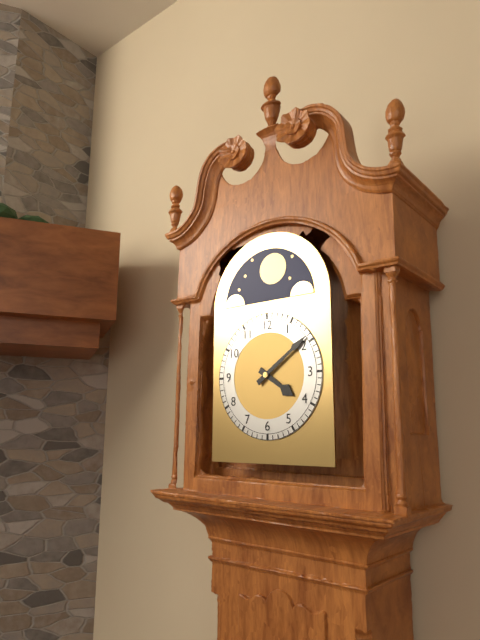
4:09
